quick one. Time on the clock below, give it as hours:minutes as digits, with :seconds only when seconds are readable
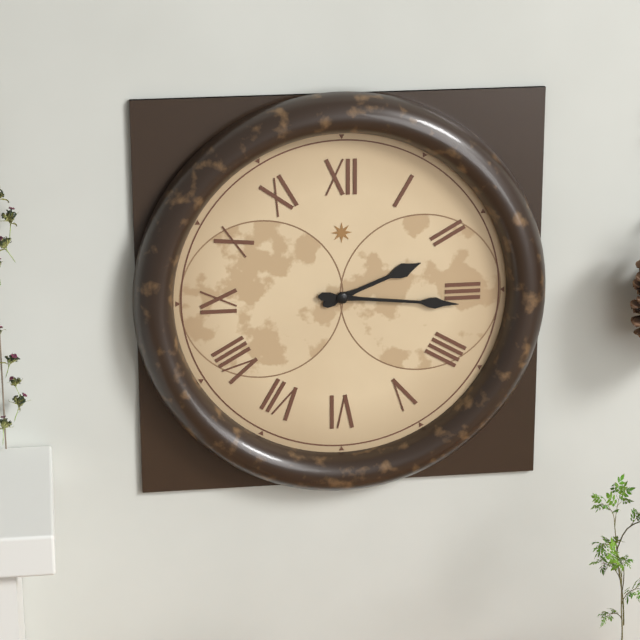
2:16
